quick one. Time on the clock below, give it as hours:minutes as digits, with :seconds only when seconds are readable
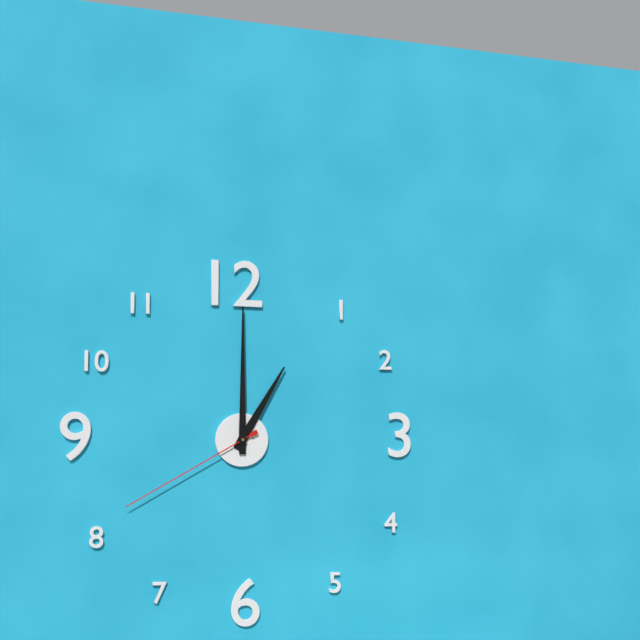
1:00:40
